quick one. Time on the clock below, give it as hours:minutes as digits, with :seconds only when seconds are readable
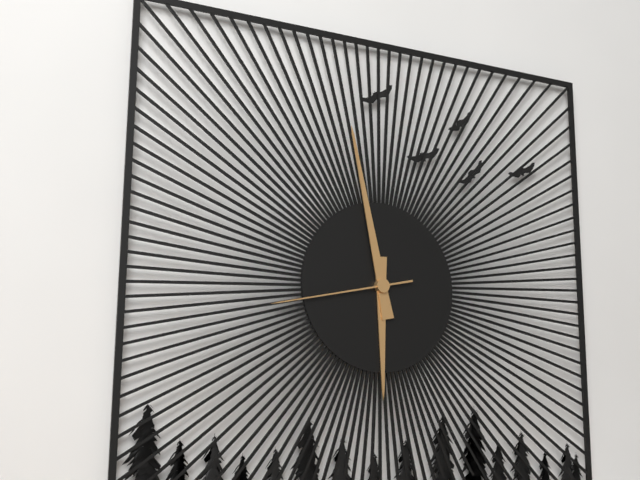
5:58:43
